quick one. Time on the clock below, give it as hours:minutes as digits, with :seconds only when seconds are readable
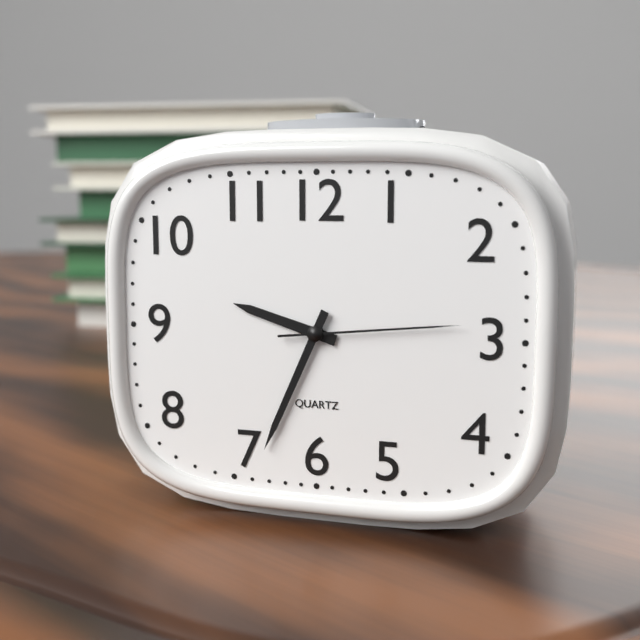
9:34:14
